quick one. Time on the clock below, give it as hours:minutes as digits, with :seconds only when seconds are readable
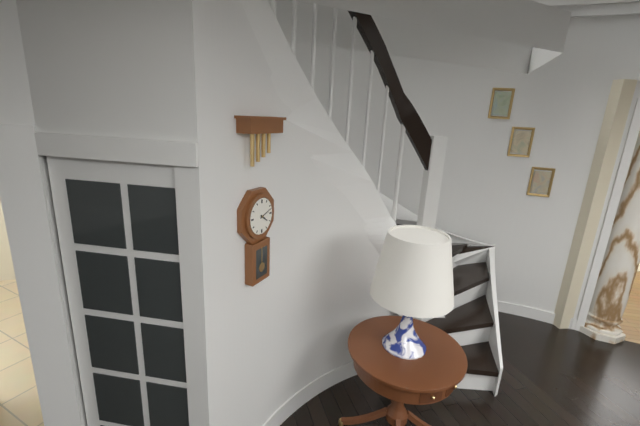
4:12
